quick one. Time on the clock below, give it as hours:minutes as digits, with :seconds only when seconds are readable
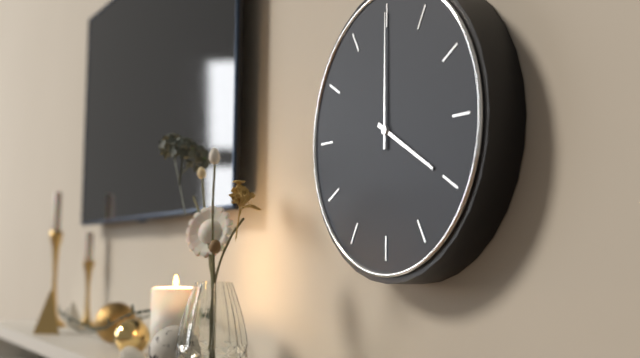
4:00
